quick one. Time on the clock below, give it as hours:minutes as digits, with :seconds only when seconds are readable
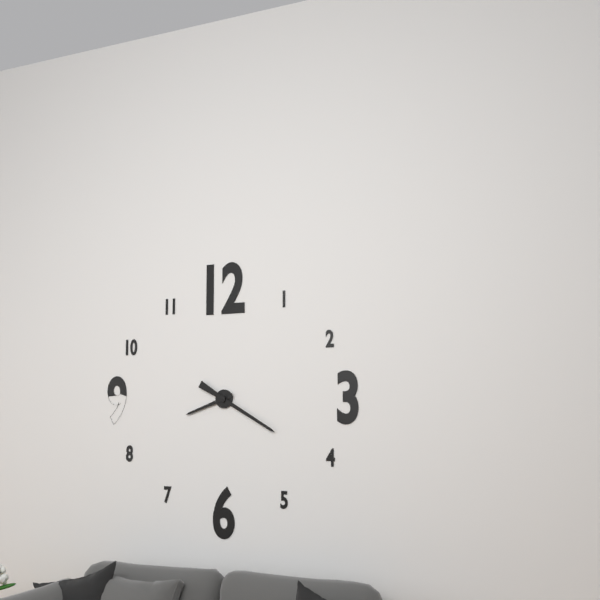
8:20
